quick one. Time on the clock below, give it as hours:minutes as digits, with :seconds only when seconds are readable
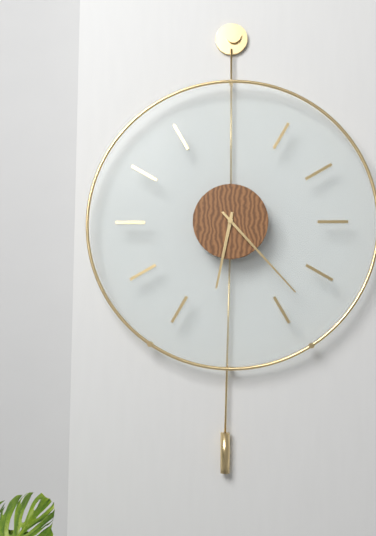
6:23
